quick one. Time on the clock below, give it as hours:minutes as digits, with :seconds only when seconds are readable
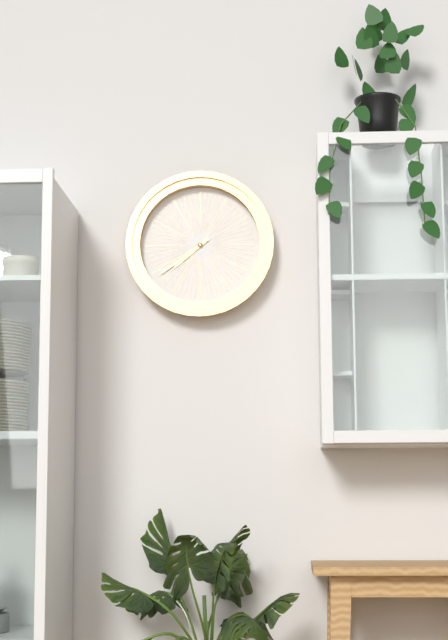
7:39
